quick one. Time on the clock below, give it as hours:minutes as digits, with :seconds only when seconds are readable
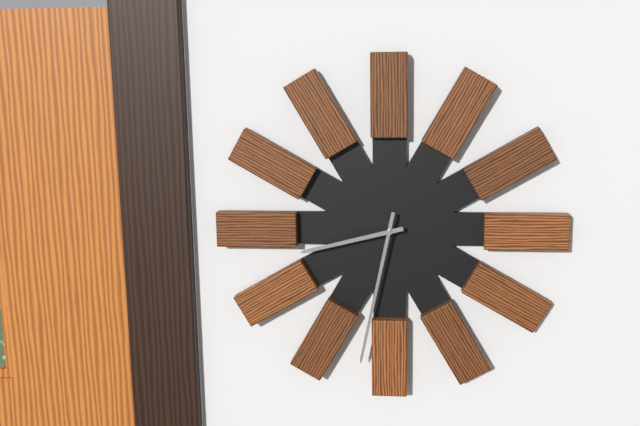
8:32
